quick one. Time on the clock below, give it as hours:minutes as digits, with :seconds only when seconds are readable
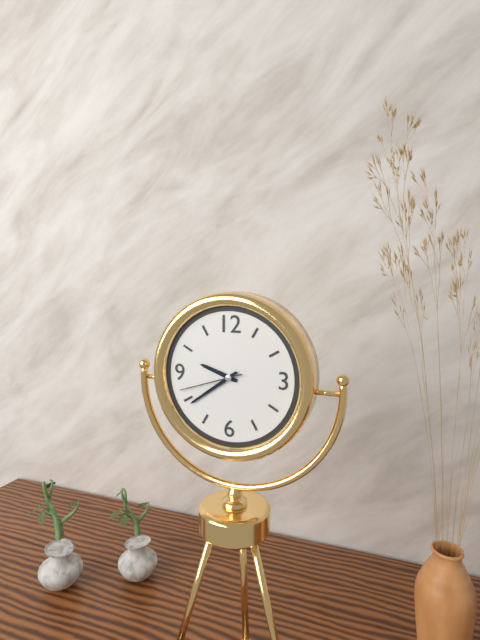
9:39:42
